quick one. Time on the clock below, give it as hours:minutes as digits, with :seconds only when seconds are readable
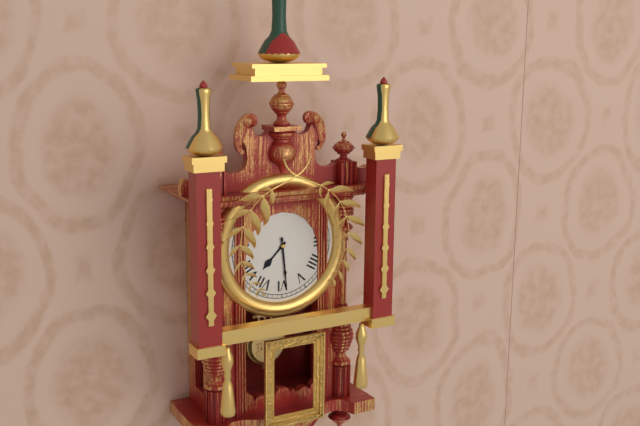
7:29
